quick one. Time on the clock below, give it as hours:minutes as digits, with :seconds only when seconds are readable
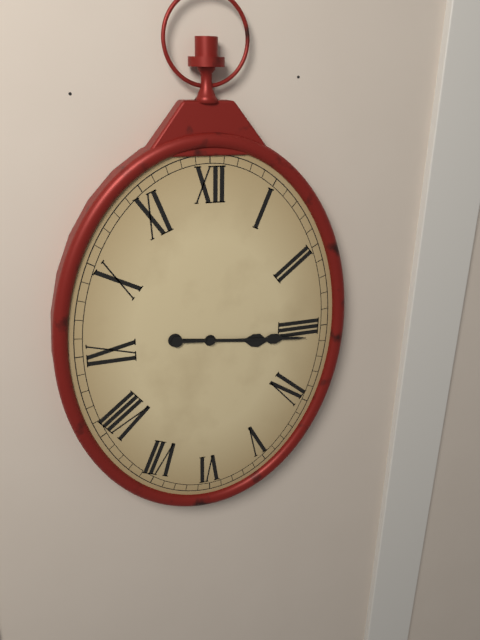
3:16
